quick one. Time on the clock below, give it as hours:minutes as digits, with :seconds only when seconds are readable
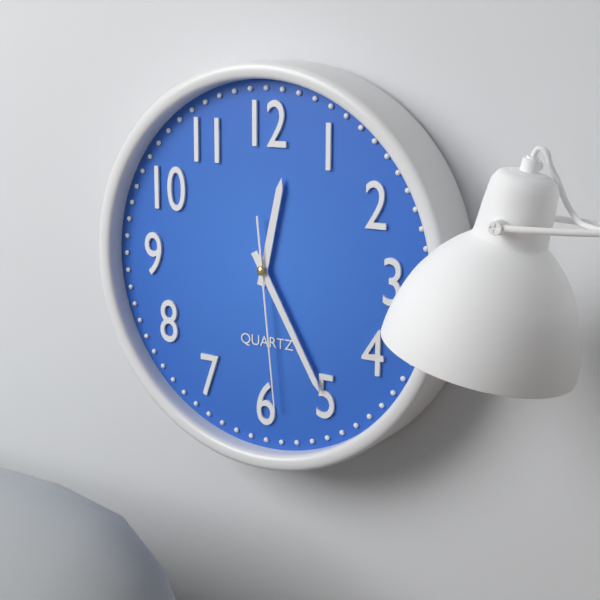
12:25:29
